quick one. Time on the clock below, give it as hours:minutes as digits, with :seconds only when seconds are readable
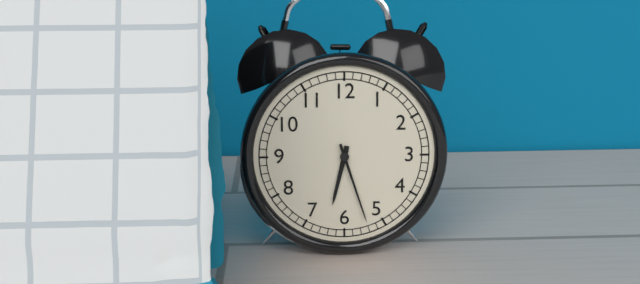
6:27
